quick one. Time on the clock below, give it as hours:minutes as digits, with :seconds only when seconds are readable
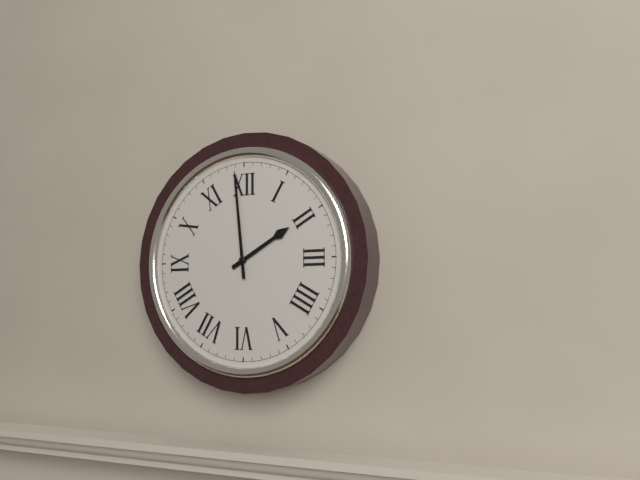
1:59
